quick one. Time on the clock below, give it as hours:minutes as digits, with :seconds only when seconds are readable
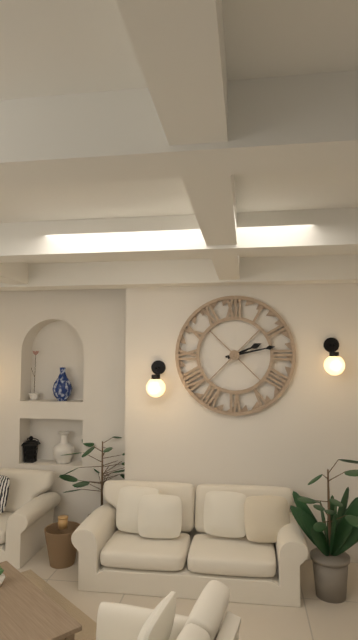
2:13
